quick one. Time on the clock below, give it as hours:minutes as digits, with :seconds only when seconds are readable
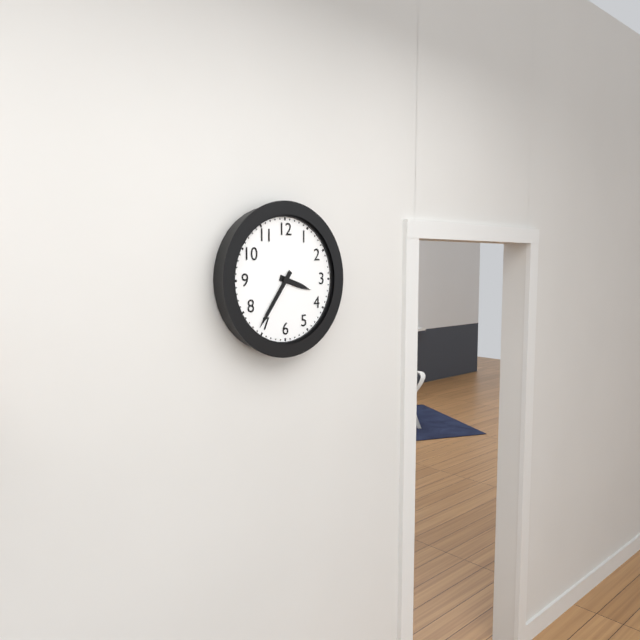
3:36
